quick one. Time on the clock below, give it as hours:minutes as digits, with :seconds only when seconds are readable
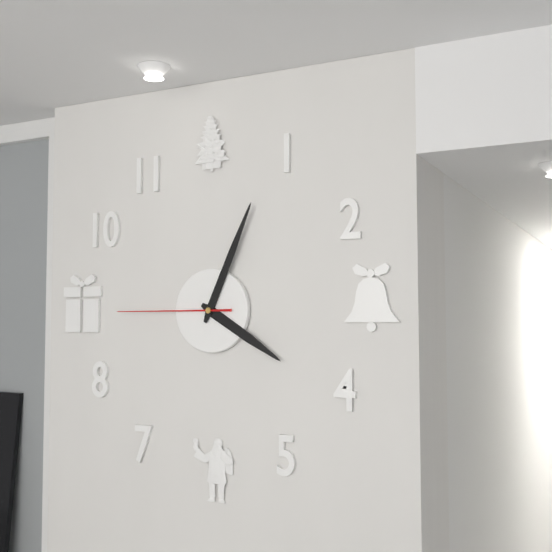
4:04:45
